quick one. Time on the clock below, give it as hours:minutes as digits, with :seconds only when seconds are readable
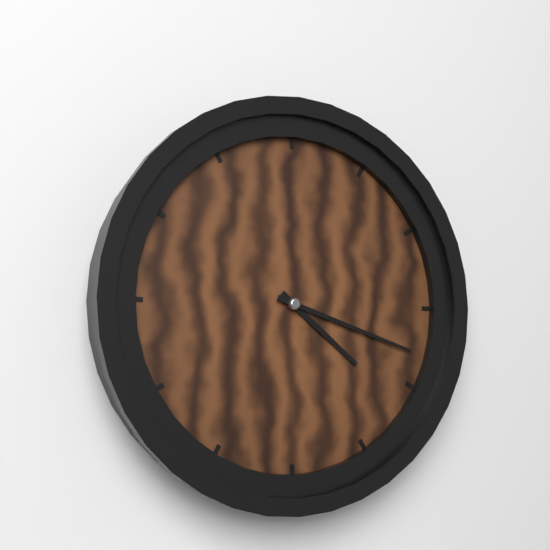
4:18
